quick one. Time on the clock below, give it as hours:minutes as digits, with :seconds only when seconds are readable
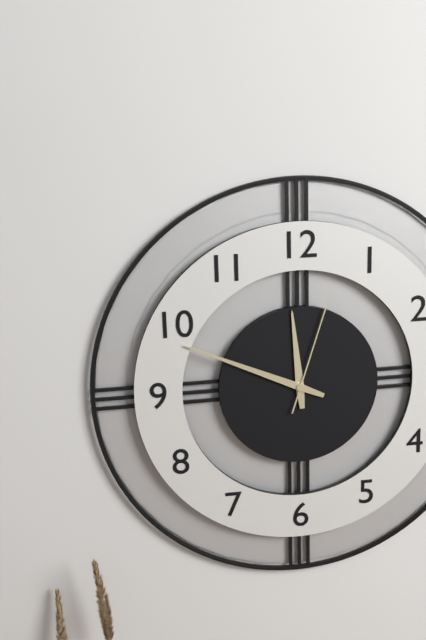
11:49:03
